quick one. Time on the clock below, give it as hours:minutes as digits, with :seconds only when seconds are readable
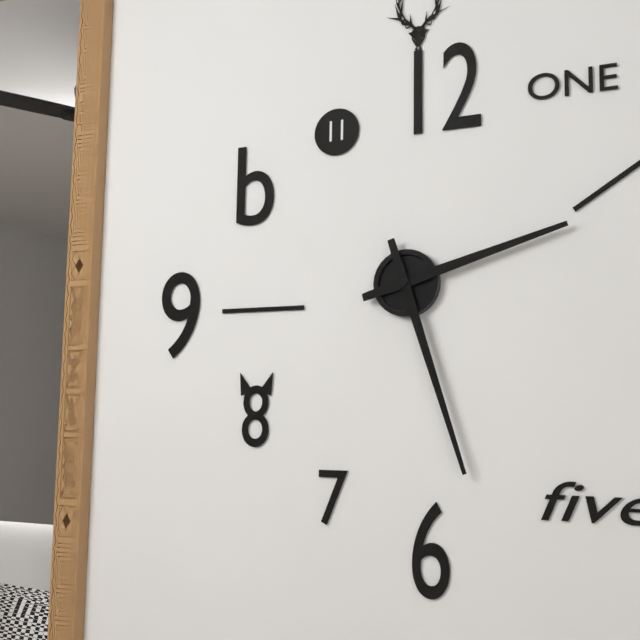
2:27
